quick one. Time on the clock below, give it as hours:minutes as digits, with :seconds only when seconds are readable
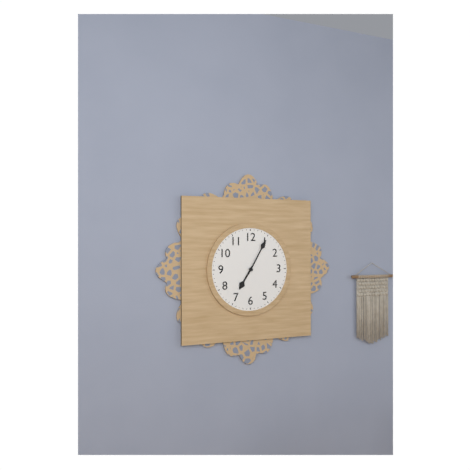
7:05
